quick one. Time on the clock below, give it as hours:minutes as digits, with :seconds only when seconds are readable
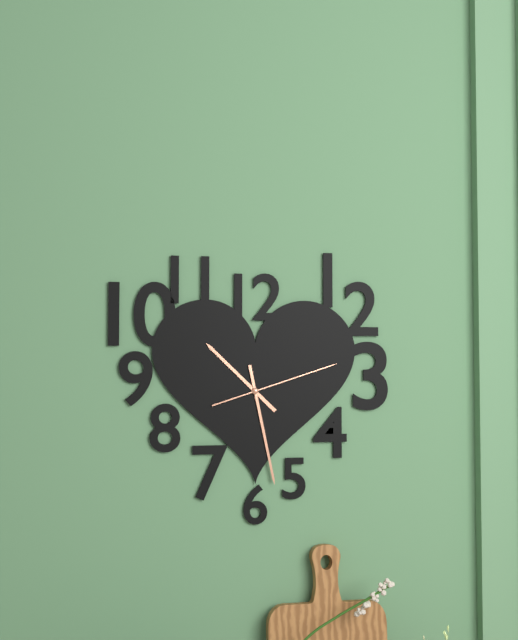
10:28:12
